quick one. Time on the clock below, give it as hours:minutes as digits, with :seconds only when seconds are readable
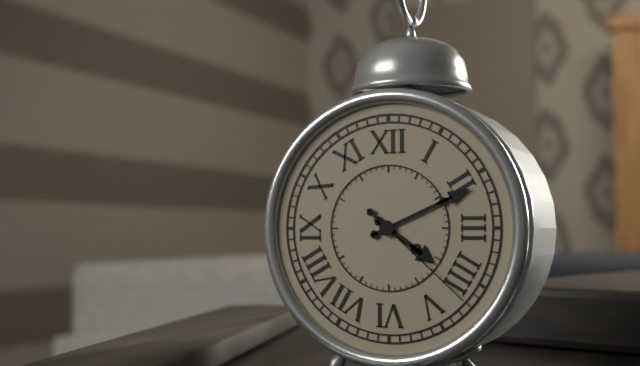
4:11:22
